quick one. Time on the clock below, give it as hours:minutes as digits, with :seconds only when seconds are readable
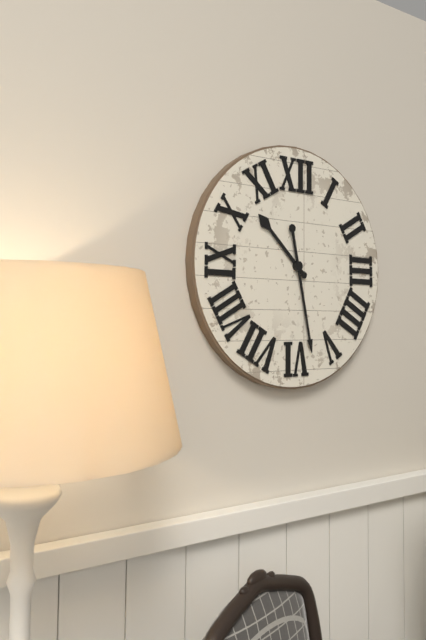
10:28
